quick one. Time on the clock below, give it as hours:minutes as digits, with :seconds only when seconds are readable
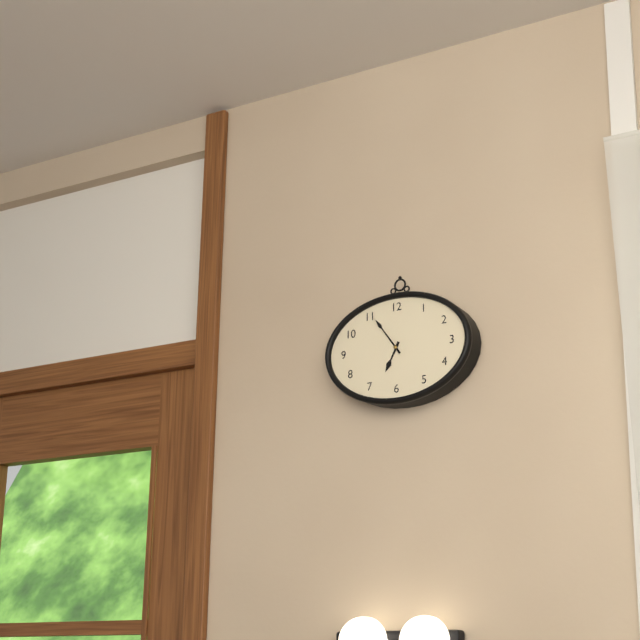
6:54
